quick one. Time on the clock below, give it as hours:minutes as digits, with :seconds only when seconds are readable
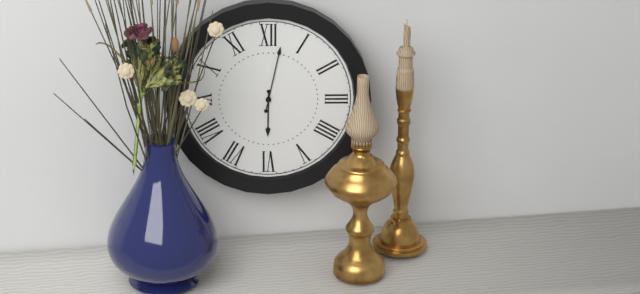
6:02
